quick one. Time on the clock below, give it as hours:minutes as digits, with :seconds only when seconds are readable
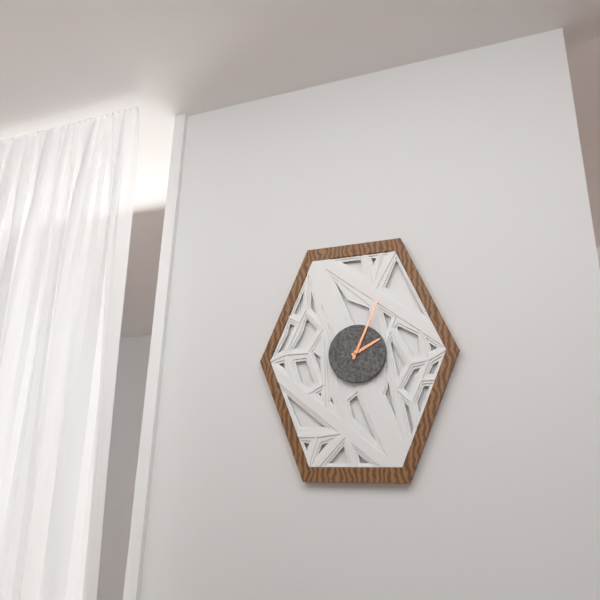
2:04
